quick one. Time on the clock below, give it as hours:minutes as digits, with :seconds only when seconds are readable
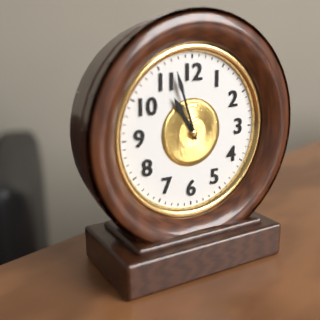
10:57
